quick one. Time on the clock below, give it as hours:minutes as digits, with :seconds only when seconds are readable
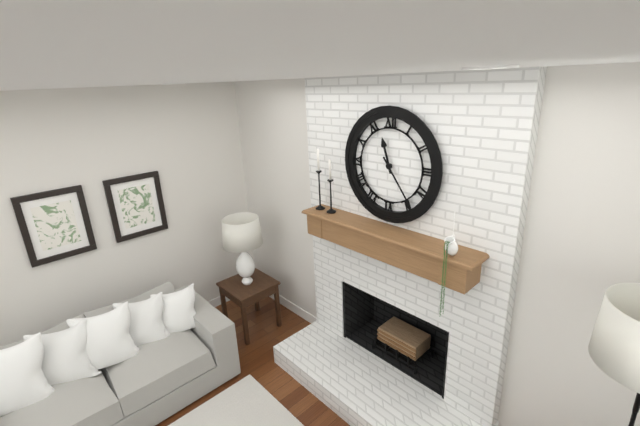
11:24
